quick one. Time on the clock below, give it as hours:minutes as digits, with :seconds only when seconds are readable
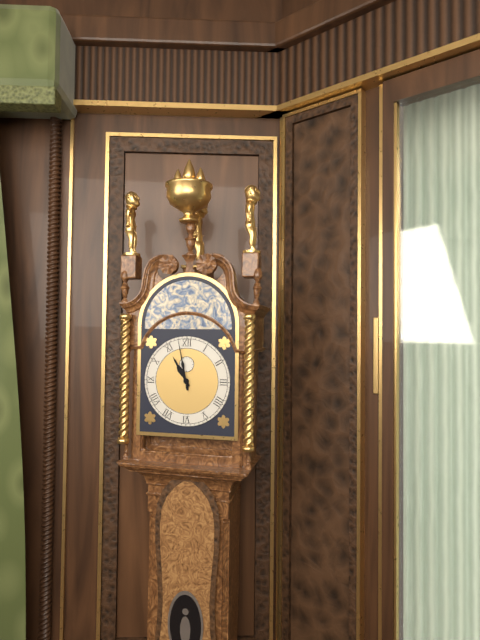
10:58
